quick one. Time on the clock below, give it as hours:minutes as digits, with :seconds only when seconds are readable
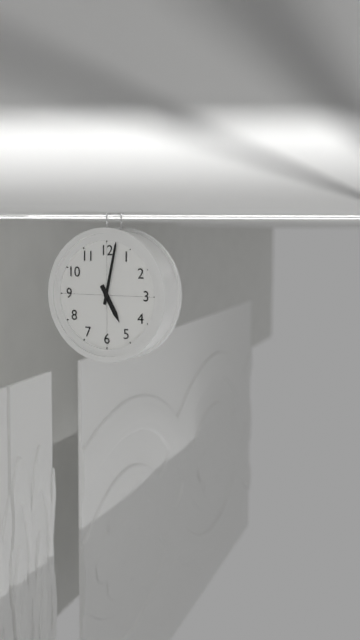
5:02
